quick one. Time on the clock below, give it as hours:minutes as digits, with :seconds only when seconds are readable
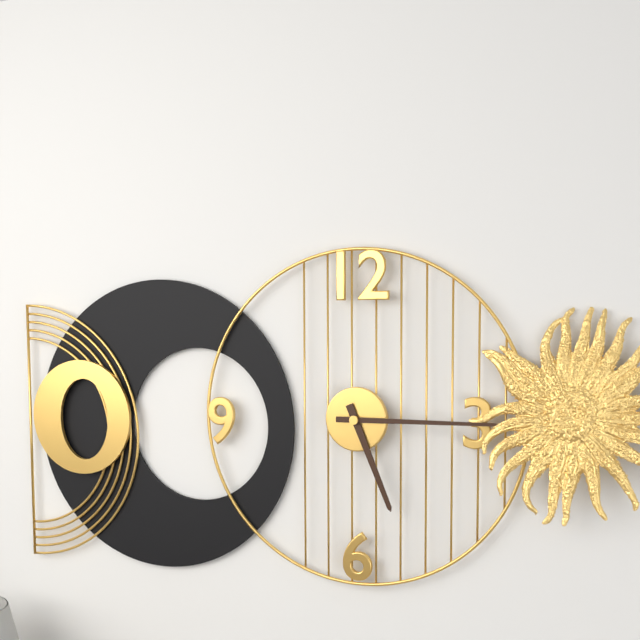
5:15
